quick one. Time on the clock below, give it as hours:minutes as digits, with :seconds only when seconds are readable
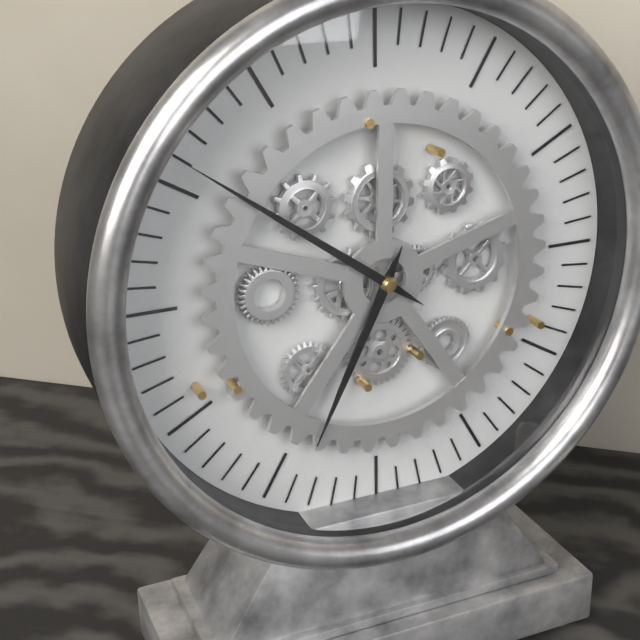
6:51
